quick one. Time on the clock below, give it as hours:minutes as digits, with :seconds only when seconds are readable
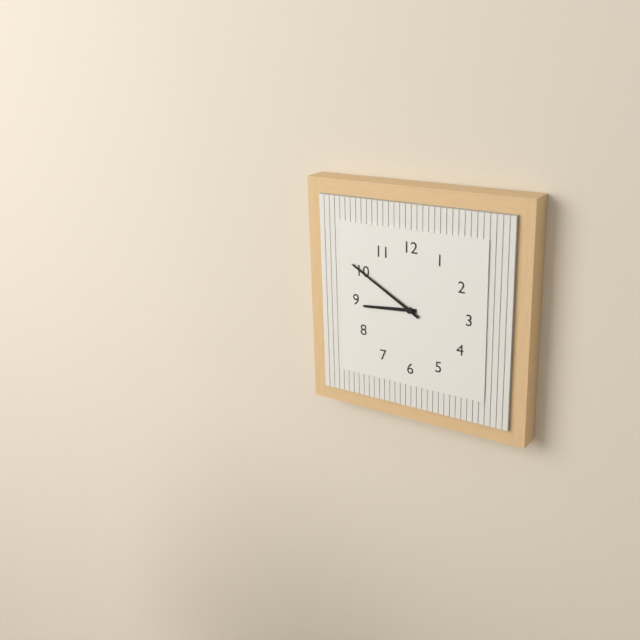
8:50
